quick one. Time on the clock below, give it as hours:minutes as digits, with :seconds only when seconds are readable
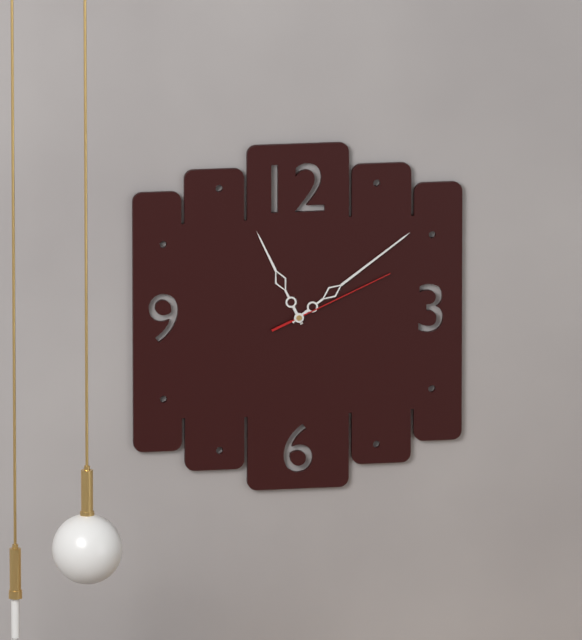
11:09:11
